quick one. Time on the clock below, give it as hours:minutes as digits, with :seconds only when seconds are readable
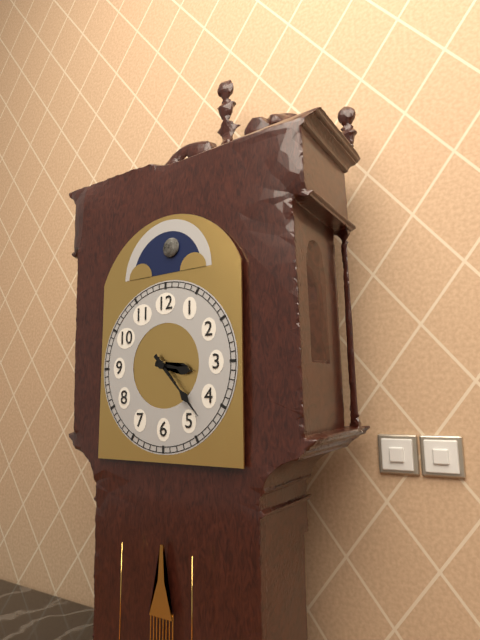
3:23
